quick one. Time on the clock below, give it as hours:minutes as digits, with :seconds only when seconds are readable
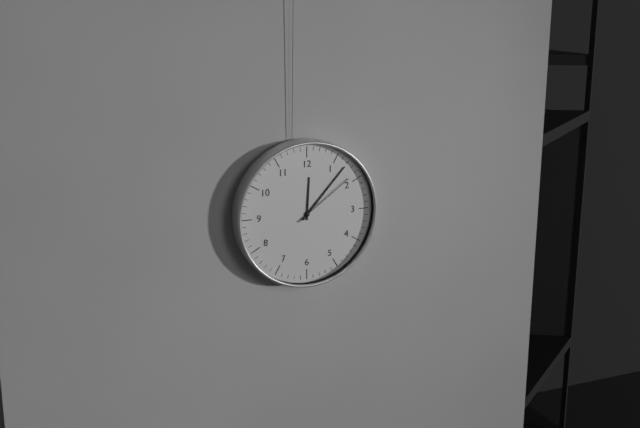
12:07:09
